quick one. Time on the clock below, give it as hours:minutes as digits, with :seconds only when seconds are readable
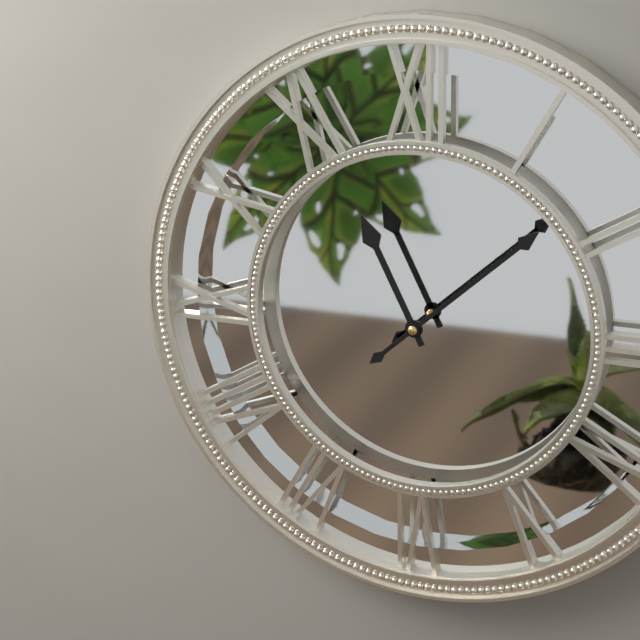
11:08
